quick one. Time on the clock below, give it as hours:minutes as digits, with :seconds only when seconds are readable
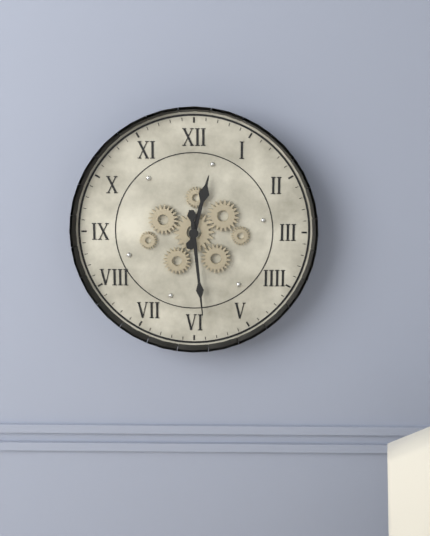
12:29
